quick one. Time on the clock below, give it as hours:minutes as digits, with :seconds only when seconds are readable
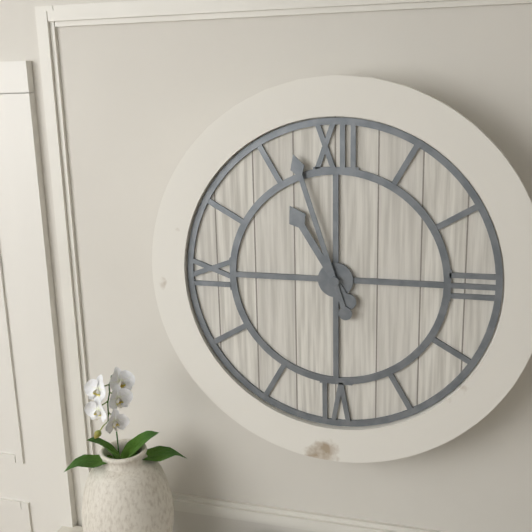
10:57
